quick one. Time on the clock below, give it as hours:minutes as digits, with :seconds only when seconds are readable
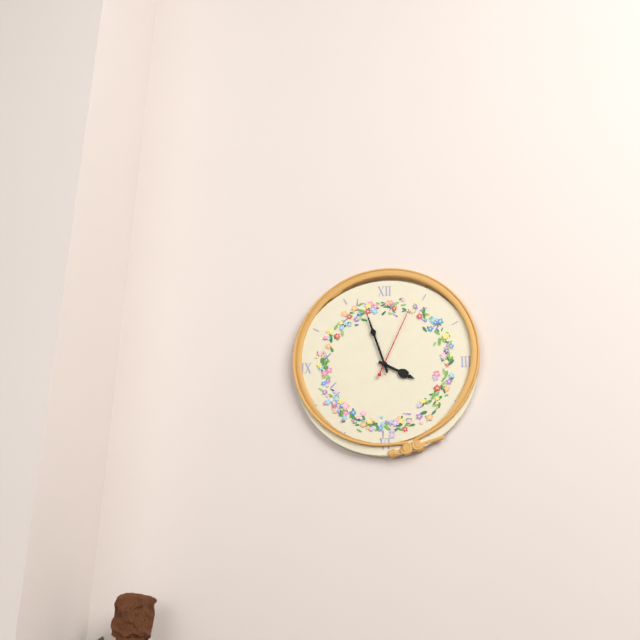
3:57:04
